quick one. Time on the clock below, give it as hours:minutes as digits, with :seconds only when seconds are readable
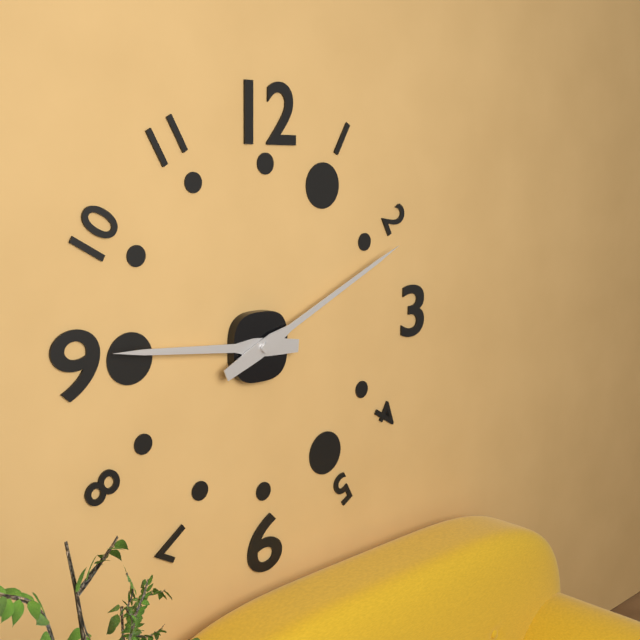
9:11
